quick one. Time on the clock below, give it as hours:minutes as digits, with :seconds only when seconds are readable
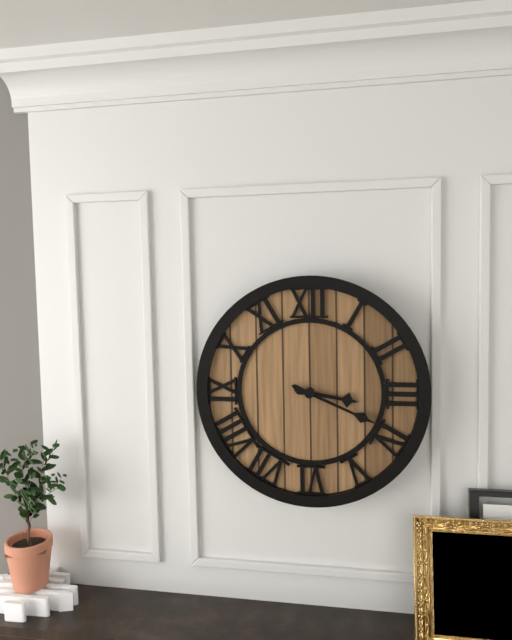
3:19
